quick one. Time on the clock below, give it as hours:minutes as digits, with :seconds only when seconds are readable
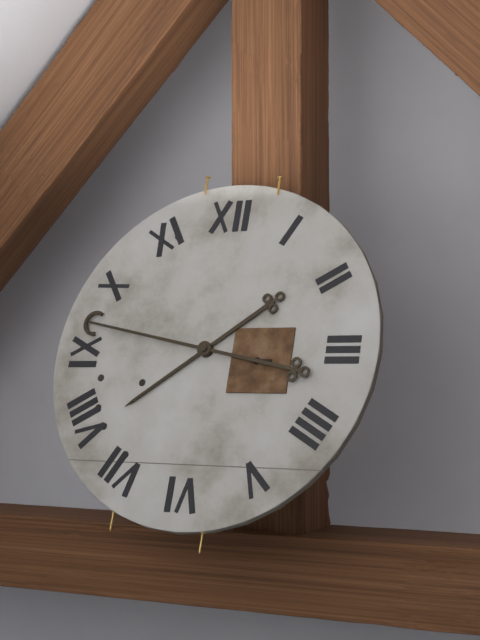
7:47
